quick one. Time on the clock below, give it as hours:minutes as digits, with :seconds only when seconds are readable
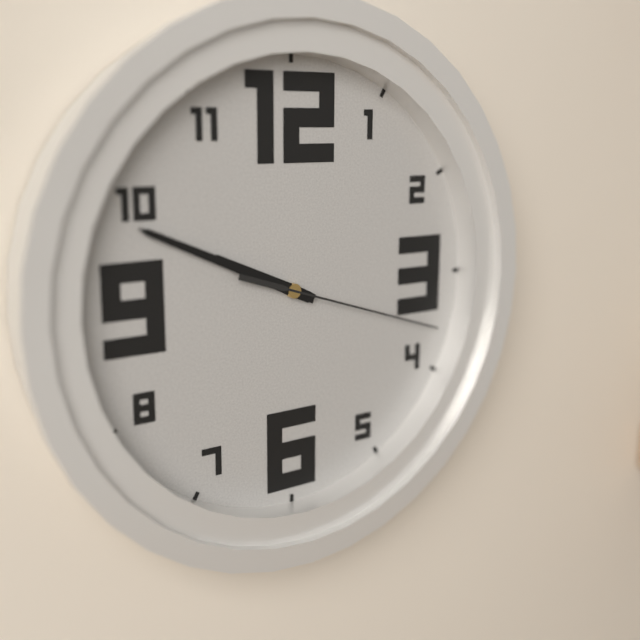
9:49:18
